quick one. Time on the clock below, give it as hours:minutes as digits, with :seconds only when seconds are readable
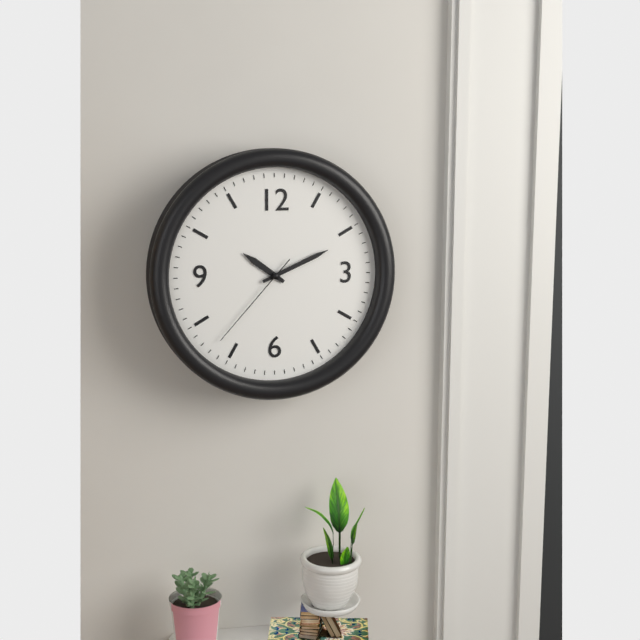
10:11:37
